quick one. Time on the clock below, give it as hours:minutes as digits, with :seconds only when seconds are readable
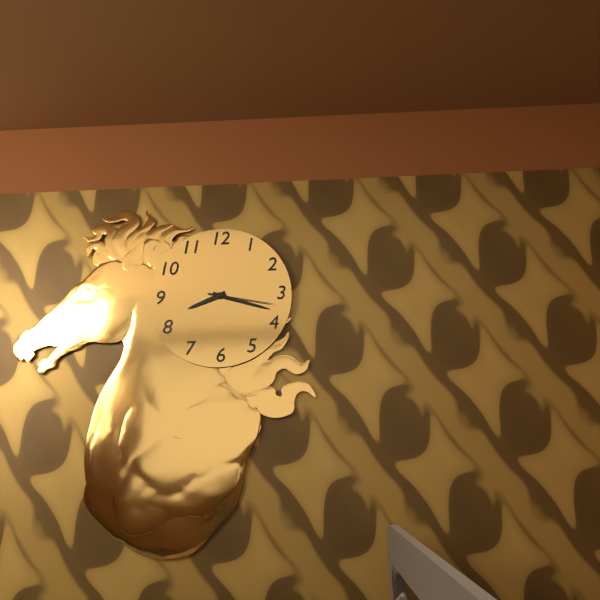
8:18:17
